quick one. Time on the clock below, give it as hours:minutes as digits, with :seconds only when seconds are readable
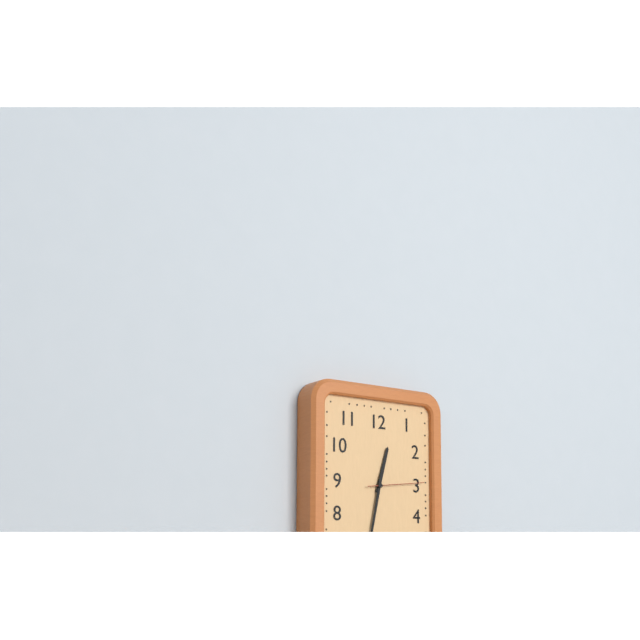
12:32:14
